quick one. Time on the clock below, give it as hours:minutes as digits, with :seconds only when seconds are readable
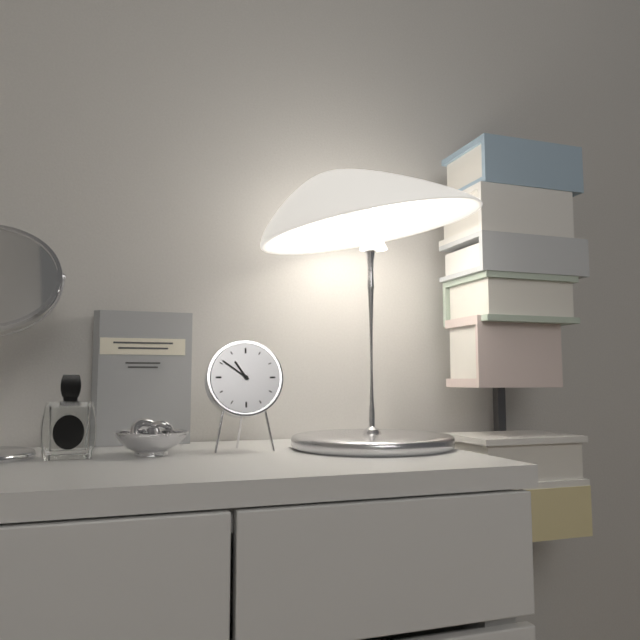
10:51
